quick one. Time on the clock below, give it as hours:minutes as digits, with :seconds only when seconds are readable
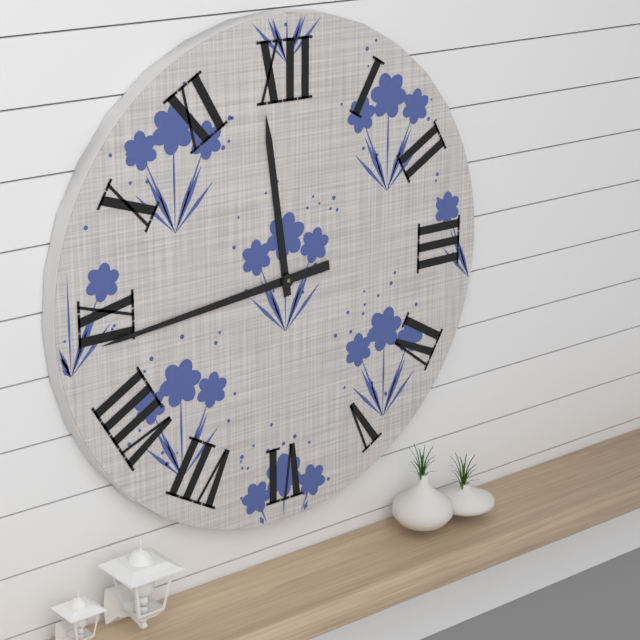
11:44
